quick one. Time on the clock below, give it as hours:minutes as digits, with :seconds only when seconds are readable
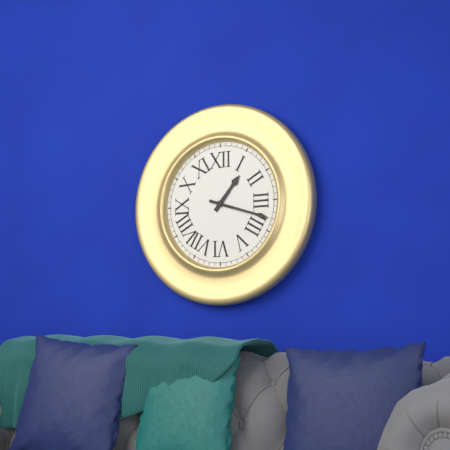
1:18
